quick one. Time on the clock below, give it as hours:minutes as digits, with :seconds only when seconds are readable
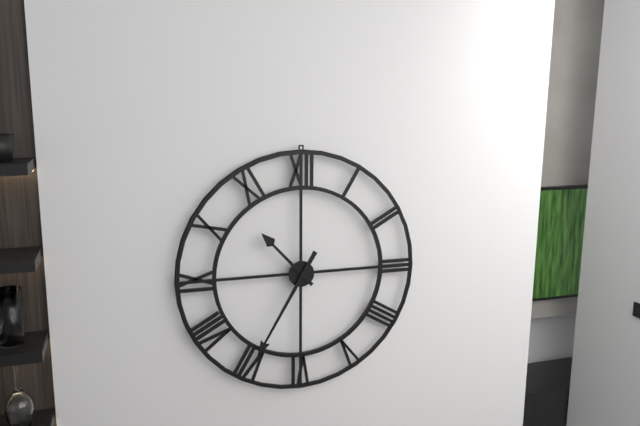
10:35
